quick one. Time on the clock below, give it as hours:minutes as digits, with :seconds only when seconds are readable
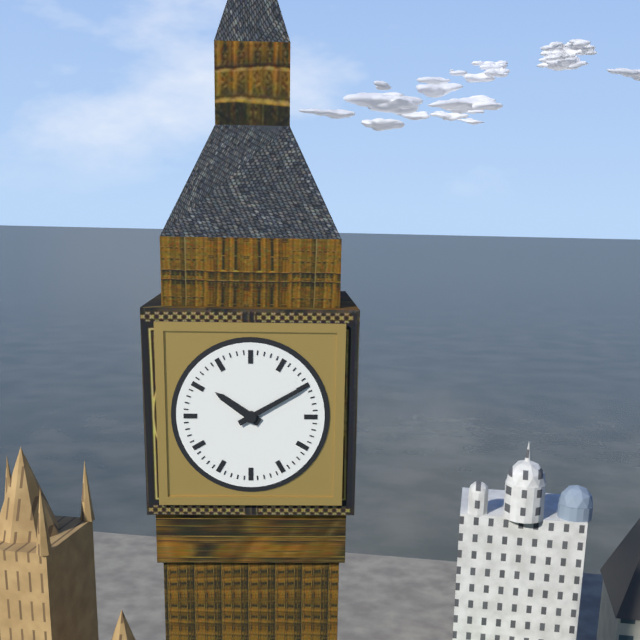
10:10
